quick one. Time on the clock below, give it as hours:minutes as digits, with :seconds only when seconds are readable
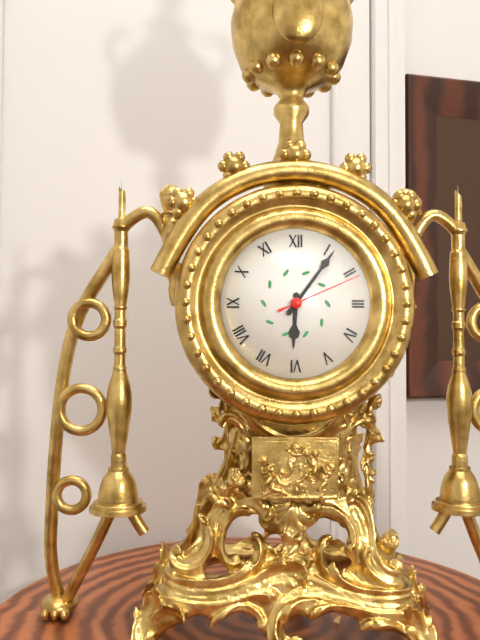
6:06:11
